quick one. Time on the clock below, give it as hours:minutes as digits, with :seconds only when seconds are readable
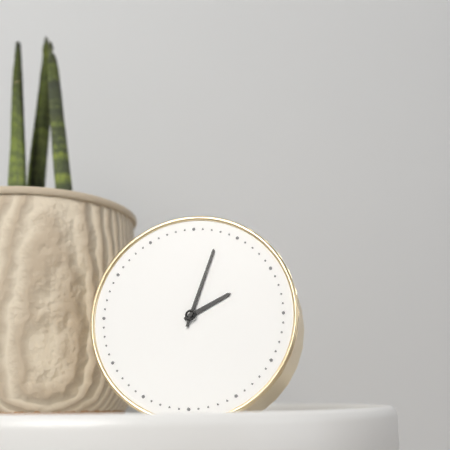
2:03
